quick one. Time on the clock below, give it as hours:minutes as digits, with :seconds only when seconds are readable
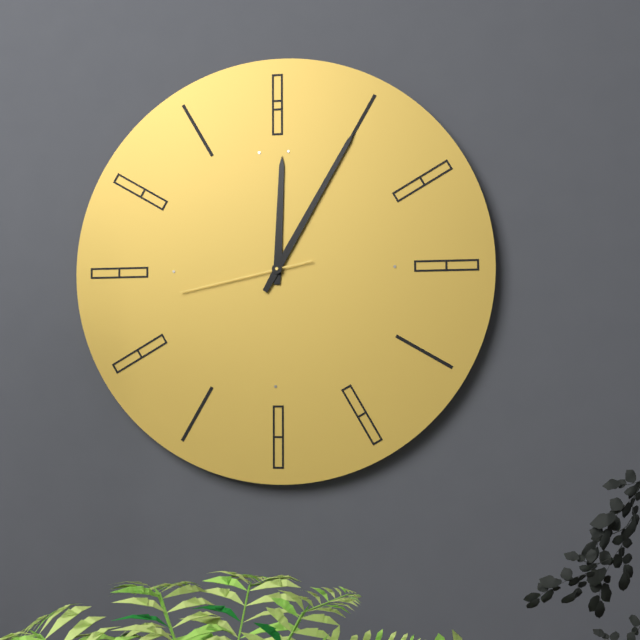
12:05:43
